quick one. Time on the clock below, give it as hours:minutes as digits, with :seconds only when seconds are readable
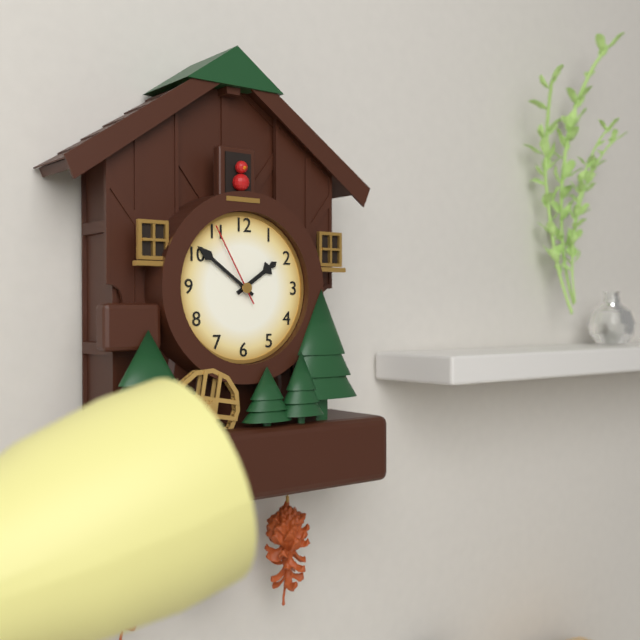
1:51:55
